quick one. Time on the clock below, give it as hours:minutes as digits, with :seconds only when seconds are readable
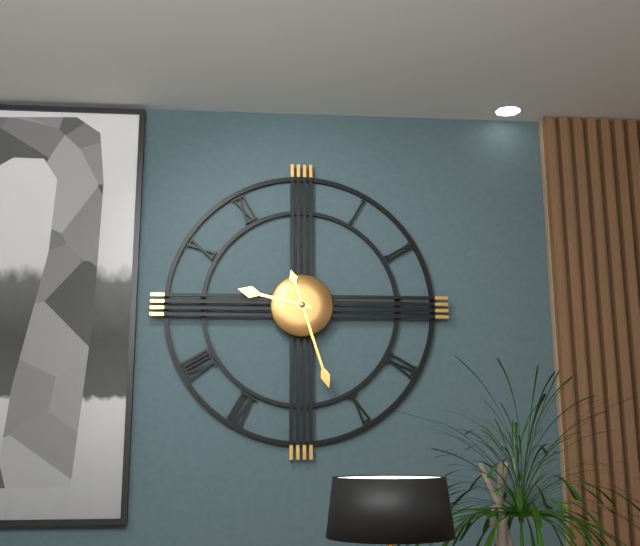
9:27
